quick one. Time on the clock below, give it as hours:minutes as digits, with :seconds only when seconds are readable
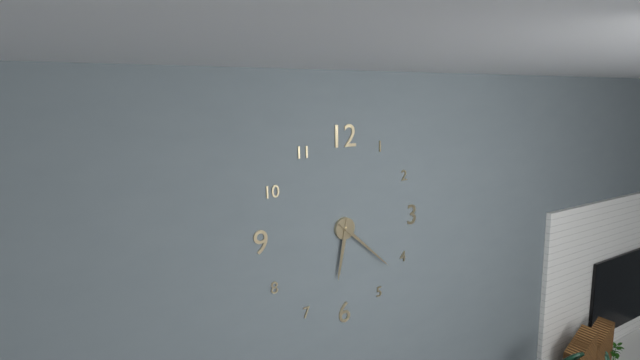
6:22
